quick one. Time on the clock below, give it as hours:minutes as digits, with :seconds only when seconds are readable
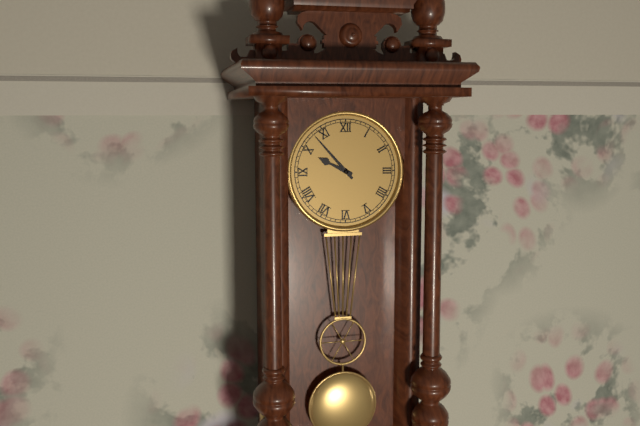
9:53
